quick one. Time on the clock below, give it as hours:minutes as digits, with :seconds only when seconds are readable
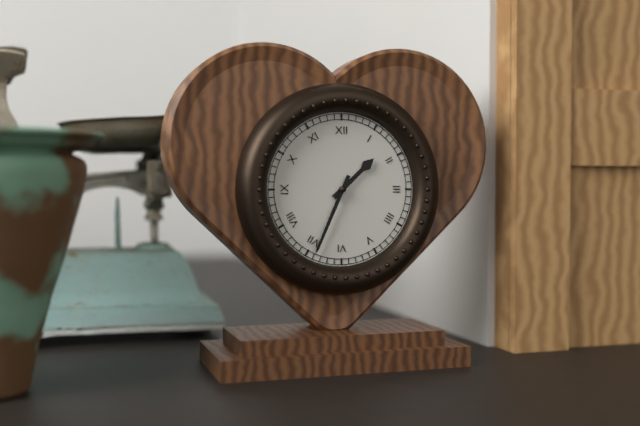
1:34
